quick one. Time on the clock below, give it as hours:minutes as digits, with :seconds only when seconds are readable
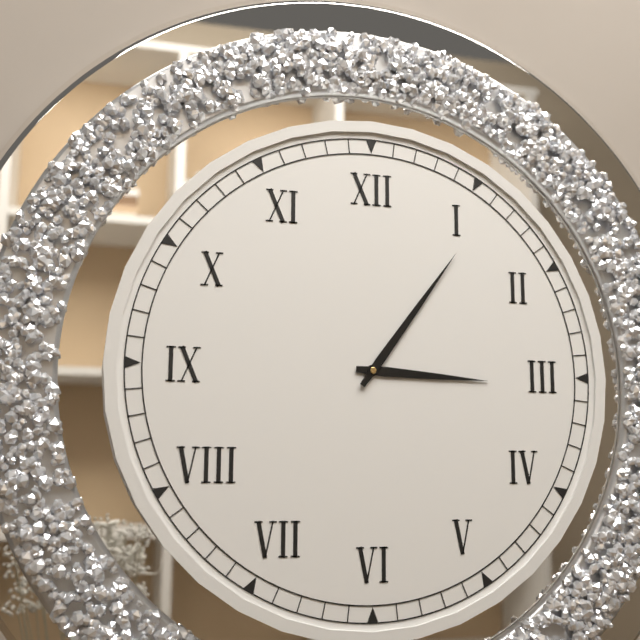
3:06
